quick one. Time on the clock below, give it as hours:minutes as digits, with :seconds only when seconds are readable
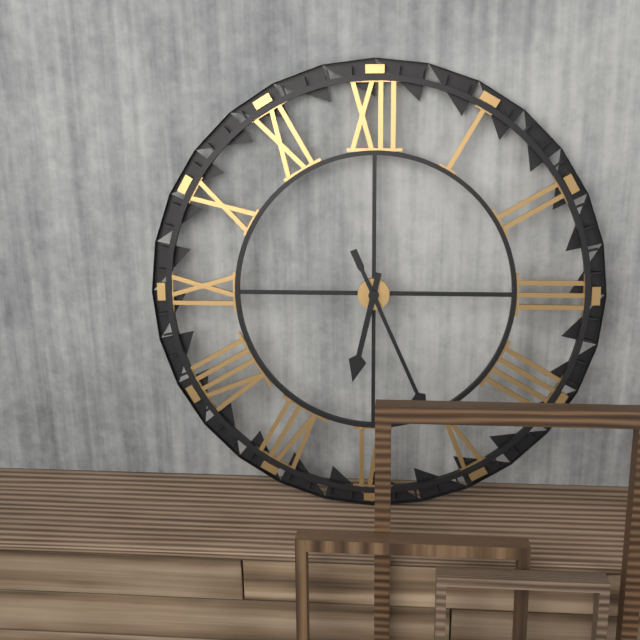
6:26
